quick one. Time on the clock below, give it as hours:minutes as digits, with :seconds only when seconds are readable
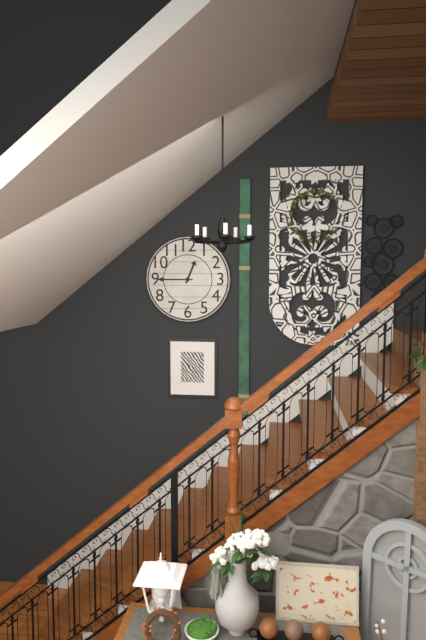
12:45
